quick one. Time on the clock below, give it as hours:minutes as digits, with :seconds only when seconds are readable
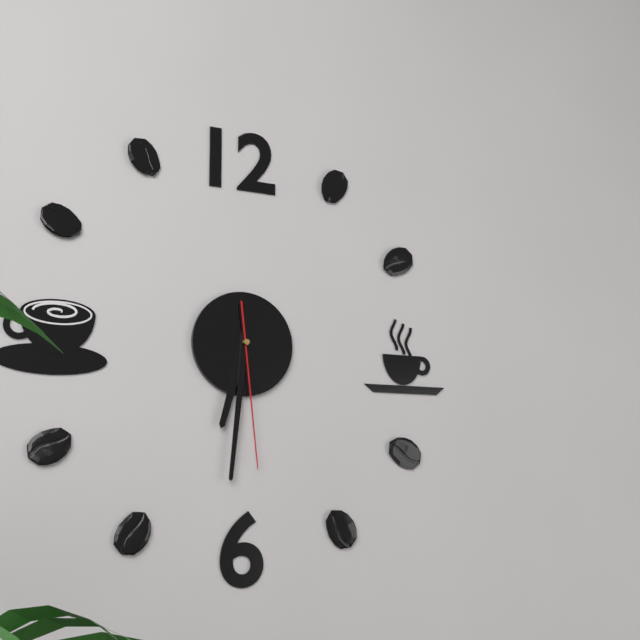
6:31:29
